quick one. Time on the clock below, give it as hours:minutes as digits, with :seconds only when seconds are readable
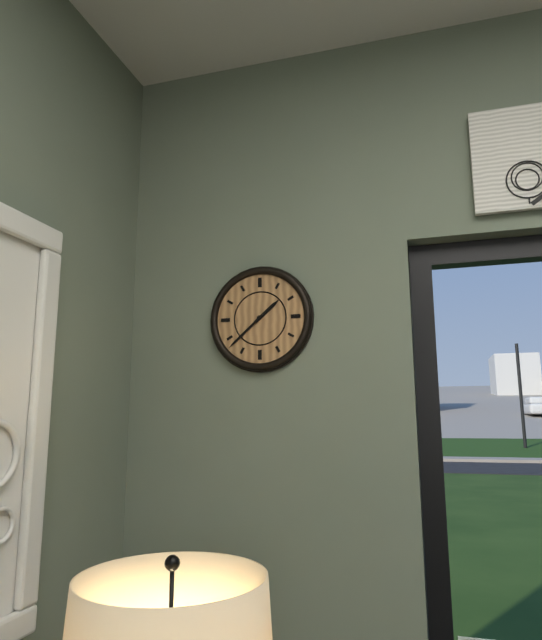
1:38
